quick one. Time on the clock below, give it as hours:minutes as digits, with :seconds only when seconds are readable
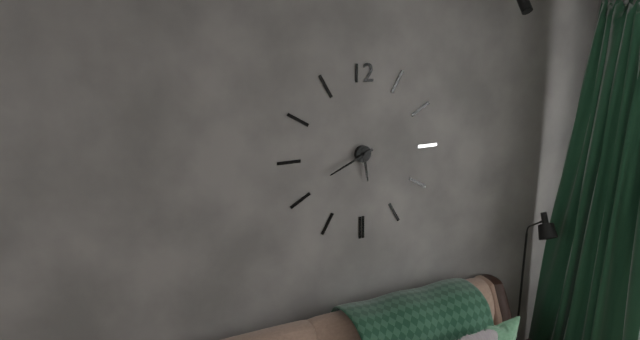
5:41
